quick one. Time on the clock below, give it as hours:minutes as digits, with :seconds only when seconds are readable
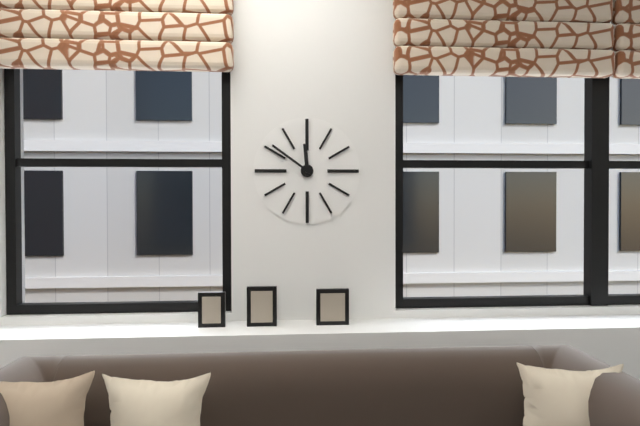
11:51
